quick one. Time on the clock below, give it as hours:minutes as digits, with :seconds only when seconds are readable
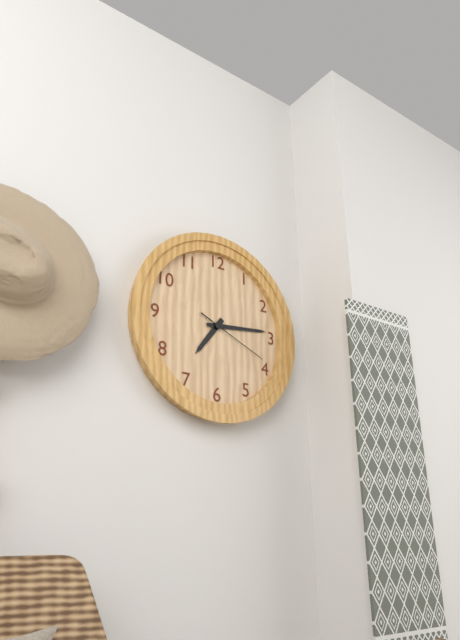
7:14:19
